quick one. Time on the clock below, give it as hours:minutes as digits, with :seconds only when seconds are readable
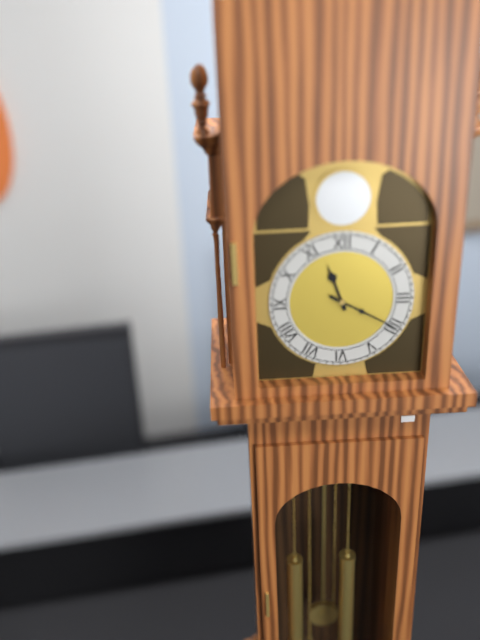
11:20
